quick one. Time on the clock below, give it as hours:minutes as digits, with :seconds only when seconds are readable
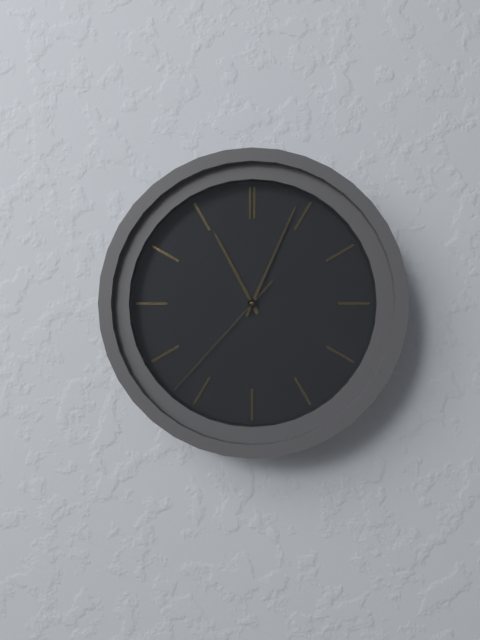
11:04:37
